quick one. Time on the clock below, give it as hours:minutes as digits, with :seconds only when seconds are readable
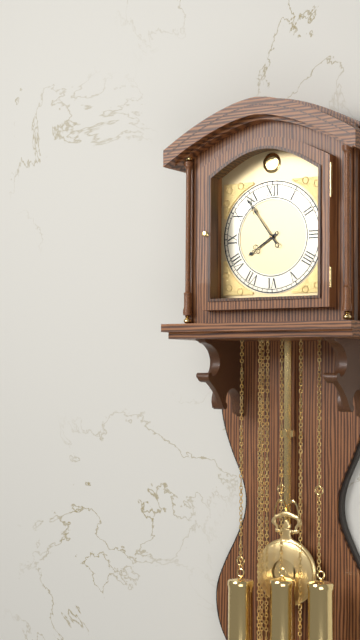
7:54
